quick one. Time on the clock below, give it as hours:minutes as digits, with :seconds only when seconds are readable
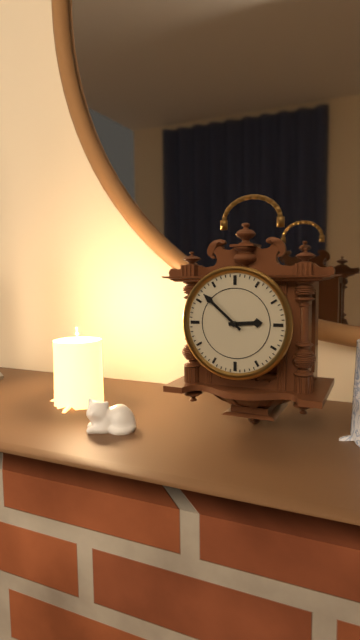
2:52
